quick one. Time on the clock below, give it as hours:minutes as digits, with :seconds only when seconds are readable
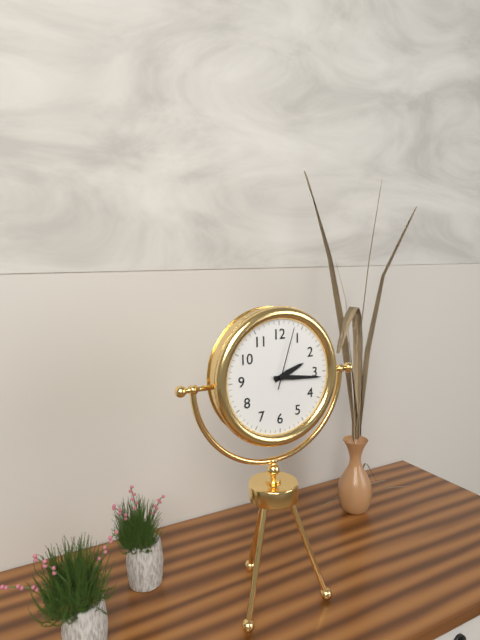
2:16:03
